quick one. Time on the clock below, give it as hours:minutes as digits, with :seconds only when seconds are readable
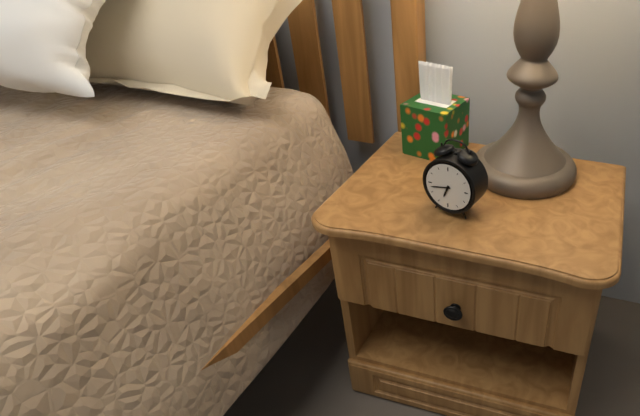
6:43
